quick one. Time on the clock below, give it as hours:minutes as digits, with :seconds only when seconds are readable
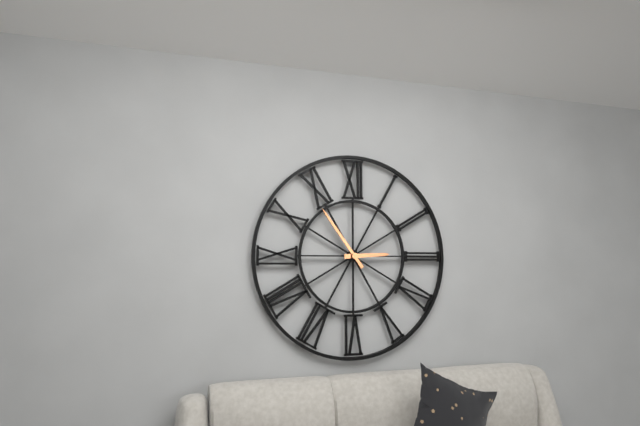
2:54
